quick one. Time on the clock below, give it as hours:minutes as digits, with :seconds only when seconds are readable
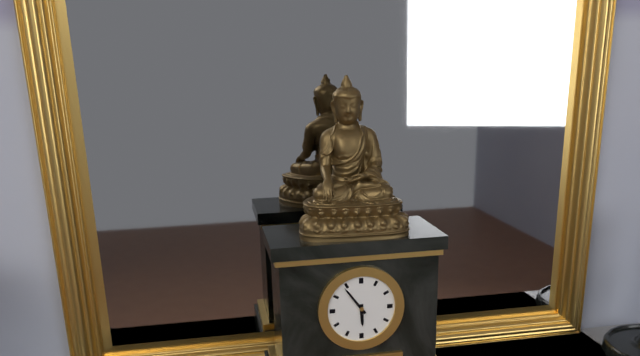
5:54
